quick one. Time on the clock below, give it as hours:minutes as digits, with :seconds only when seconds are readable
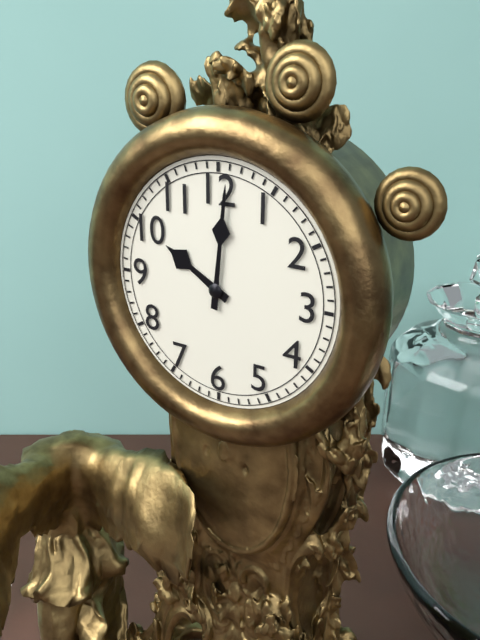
10:01
